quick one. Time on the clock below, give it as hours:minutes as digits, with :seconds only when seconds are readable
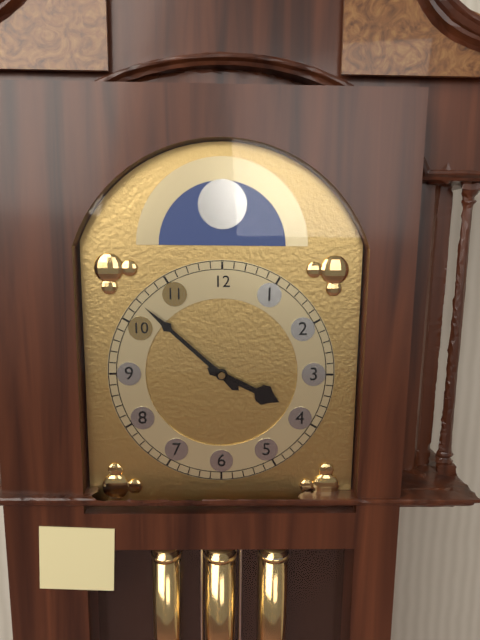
3:52
